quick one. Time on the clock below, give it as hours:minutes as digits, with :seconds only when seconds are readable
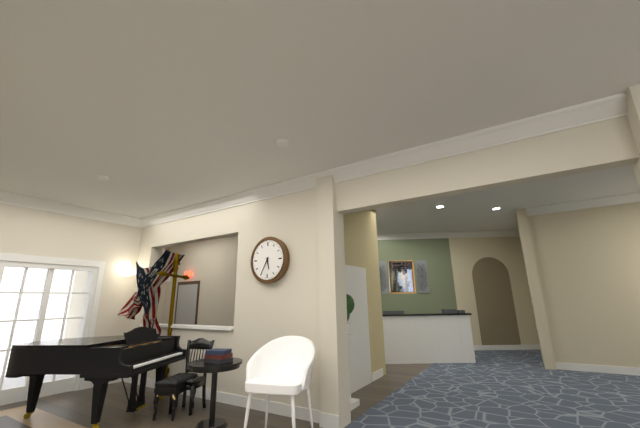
5:35
